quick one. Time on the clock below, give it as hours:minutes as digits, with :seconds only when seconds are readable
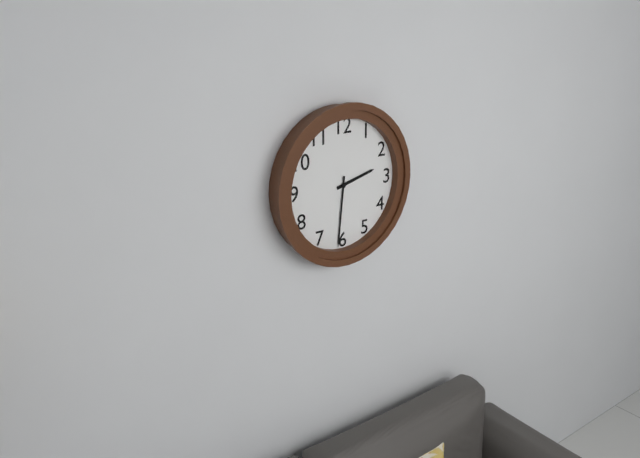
2:31
